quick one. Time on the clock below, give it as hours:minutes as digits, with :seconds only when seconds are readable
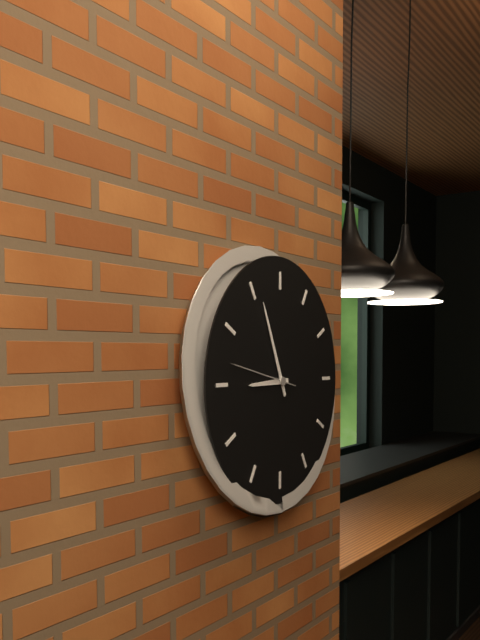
8:56:47
